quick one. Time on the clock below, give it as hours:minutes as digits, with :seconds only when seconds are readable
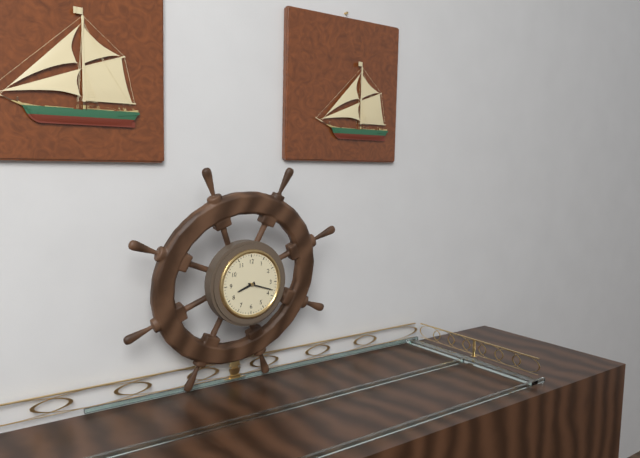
8:18
